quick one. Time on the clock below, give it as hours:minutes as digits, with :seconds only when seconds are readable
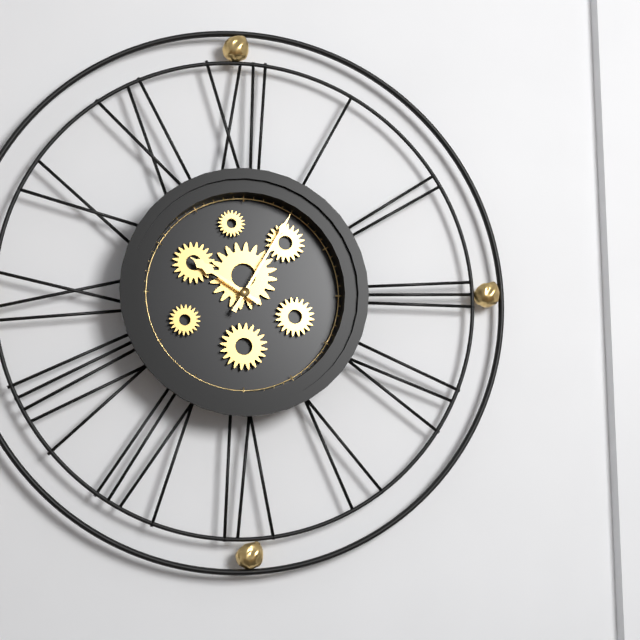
10:05
